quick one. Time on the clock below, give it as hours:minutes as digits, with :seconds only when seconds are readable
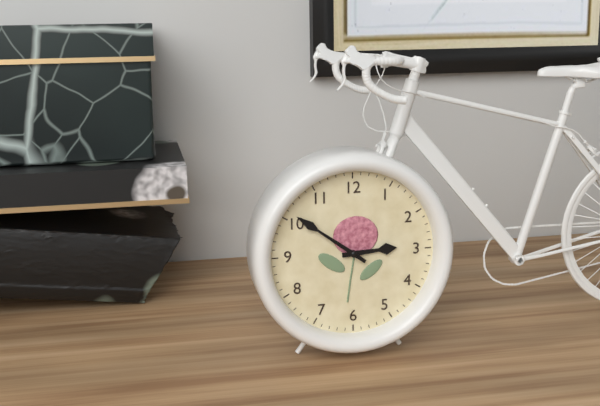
2:51
